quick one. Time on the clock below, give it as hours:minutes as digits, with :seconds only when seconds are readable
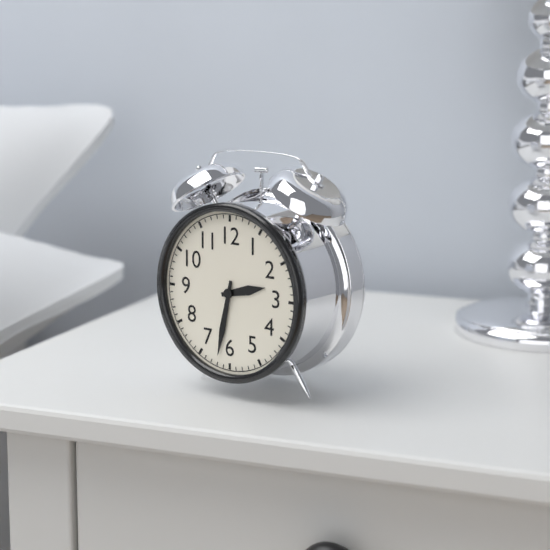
2:32
